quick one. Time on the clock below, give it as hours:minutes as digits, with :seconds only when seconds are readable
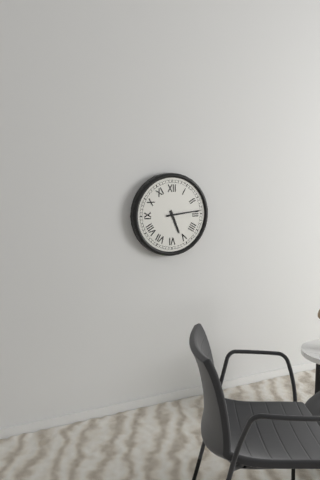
5:14
